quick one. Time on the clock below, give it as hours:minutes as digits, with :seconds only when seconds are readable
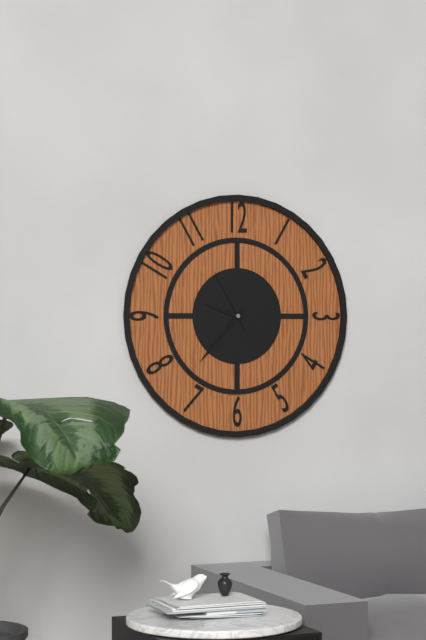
9:37:55
